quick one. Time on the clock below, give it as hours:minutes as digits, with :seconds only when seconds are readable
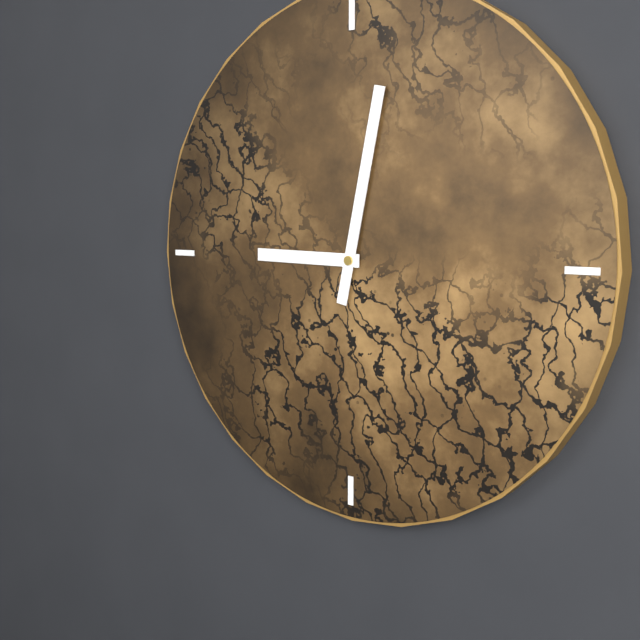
9:02
